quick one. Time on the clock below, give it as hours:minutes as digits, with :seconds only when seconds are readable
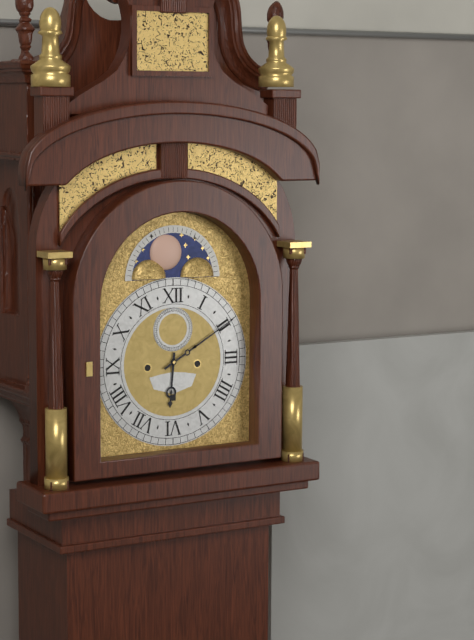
6:10
